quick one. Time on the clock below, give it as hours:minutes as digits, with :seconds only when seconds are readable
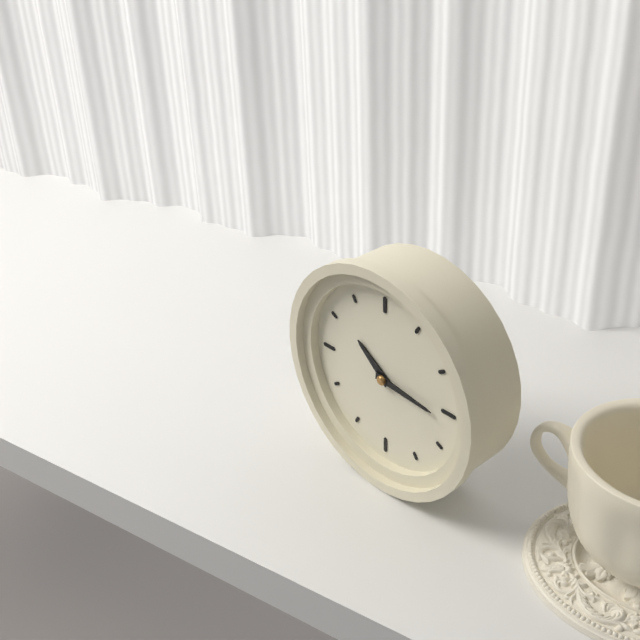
10:16
